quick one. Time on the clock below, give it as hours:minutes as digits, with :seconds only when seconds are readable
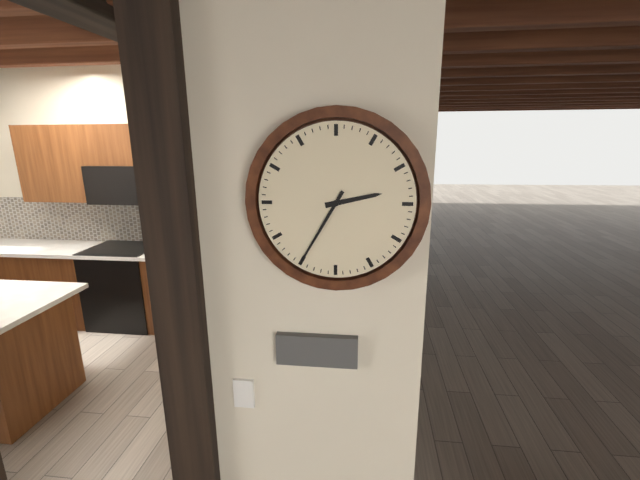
2:35
